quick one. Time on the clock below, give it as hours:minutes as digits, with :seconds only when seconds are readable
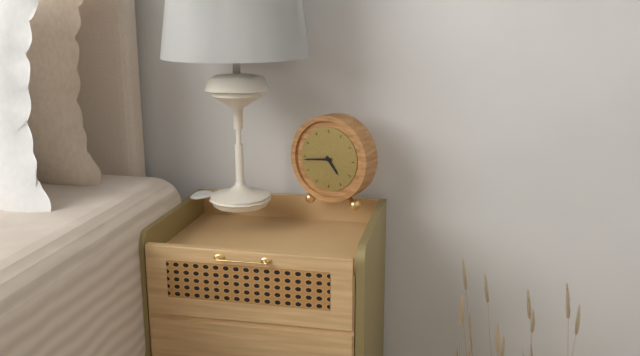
4:44
